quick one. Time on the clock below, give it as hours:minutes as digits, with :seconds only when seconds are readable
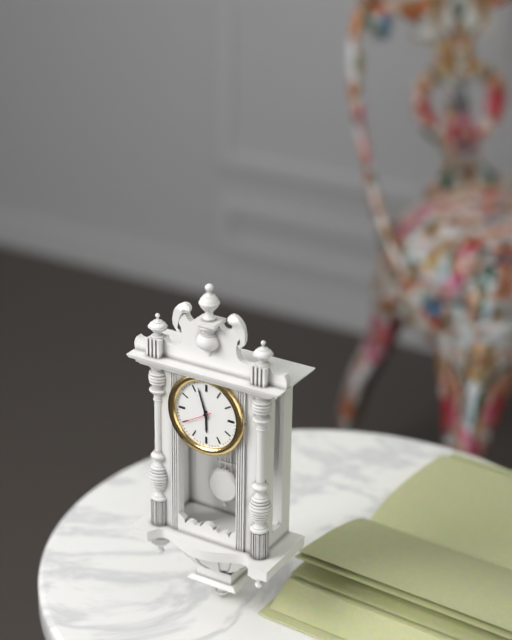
5:57
